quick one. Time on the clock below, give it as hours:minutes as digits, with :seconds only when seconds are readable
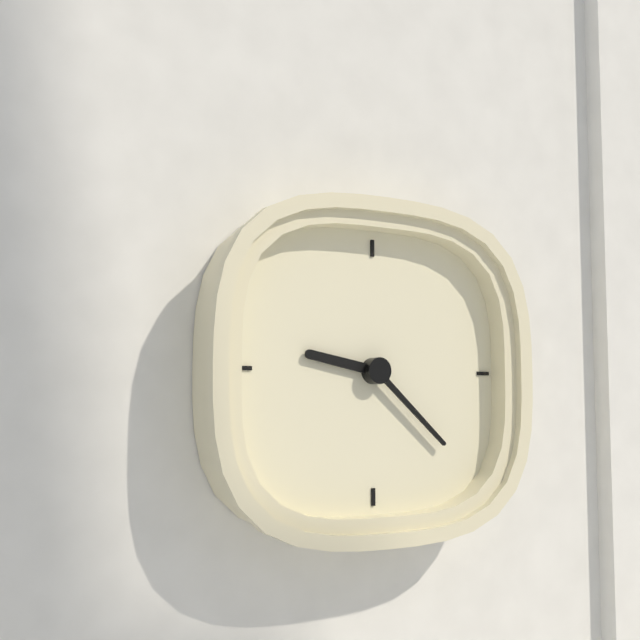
9:22
